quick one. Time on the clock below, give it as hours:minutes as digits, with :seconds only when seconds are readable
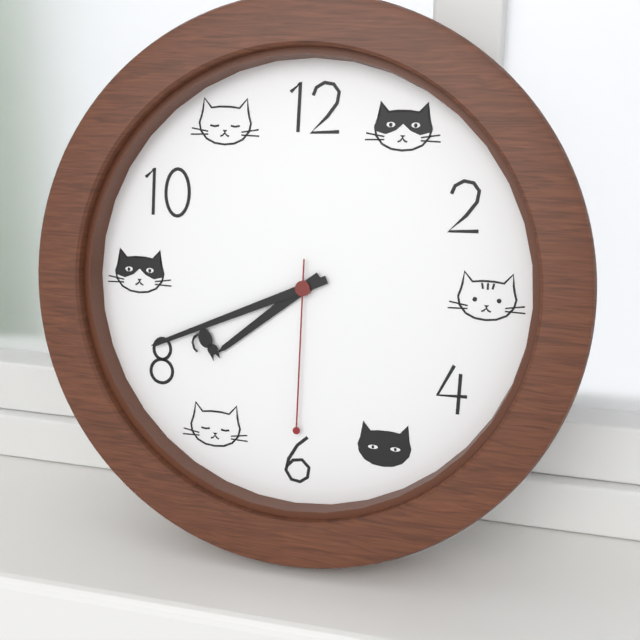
7:41:30
